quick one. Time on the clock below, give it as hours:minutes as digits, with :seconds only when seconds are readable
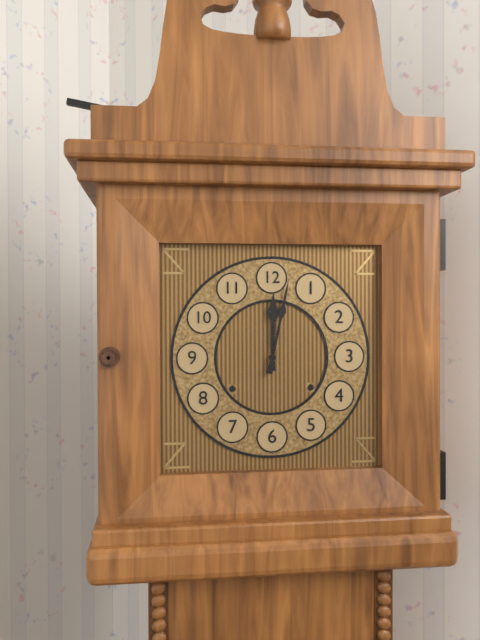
12:02
